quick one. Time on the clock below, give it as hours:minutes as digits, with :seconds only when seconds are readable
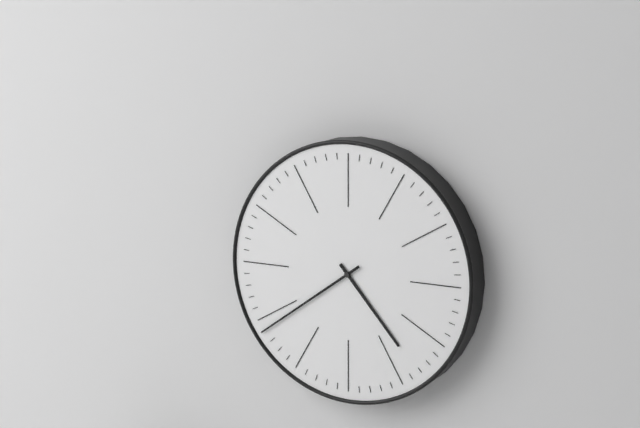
4:39
